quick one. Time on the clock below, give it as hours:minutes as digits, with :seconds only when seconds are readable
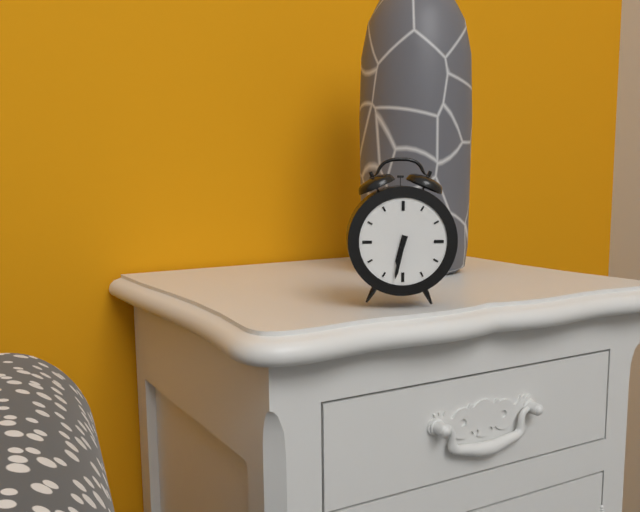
6:32
